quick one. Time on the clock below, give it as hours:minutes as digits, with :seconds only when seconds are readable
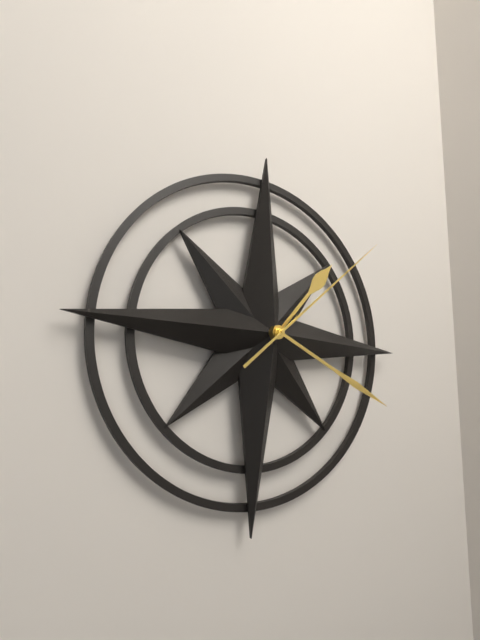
1:19:08
